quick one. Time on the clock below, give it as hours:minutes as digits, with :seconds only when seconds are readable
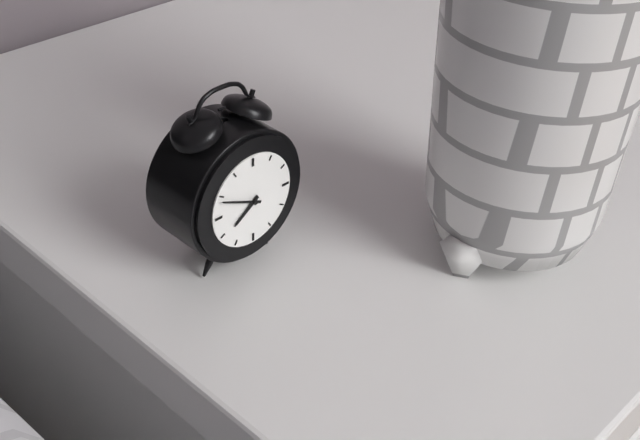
7:49
